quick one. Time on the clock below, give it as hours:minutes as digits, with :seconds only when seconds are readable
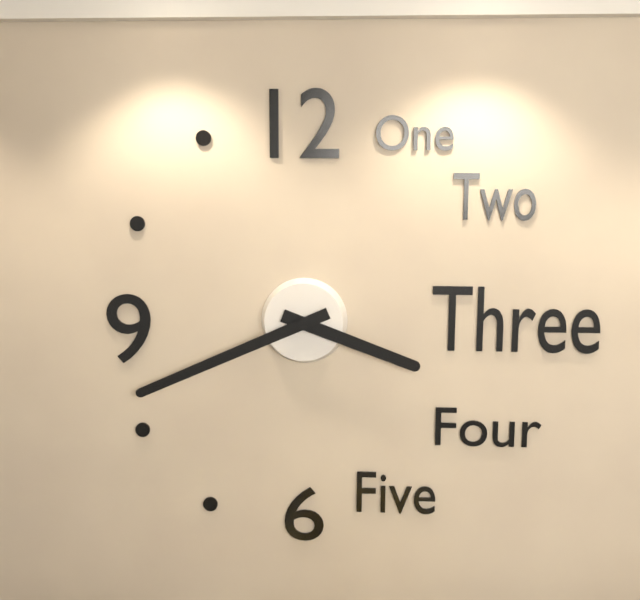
3:41
